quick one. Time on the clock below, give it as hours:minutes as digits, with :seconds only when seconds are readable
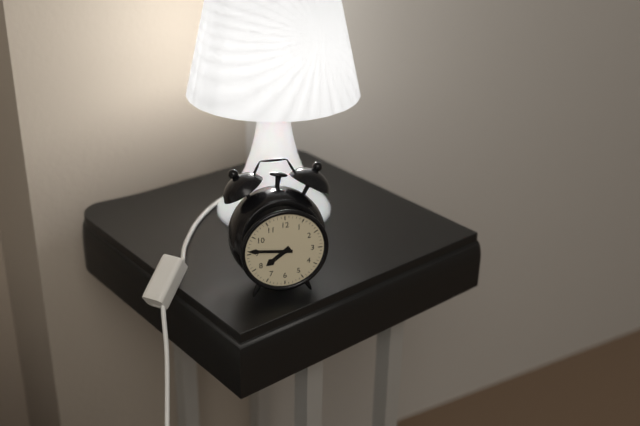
7:46
